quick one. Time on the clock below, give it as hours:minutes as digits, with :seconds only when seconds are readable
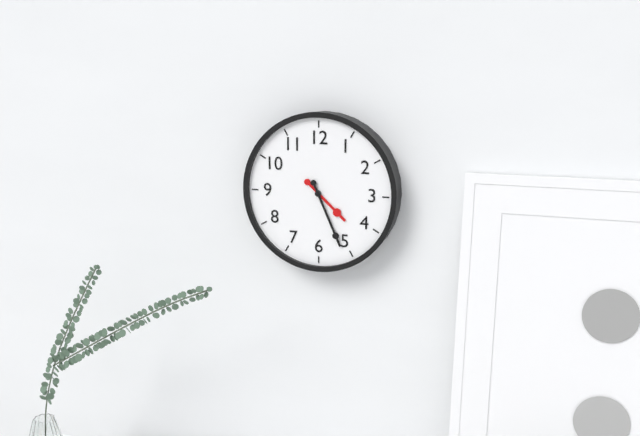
4:26
